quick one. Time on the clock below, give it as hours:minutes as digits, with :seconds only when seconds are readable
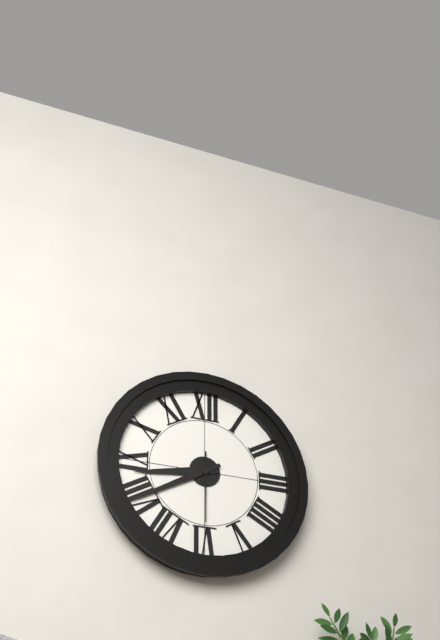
8:40:30
